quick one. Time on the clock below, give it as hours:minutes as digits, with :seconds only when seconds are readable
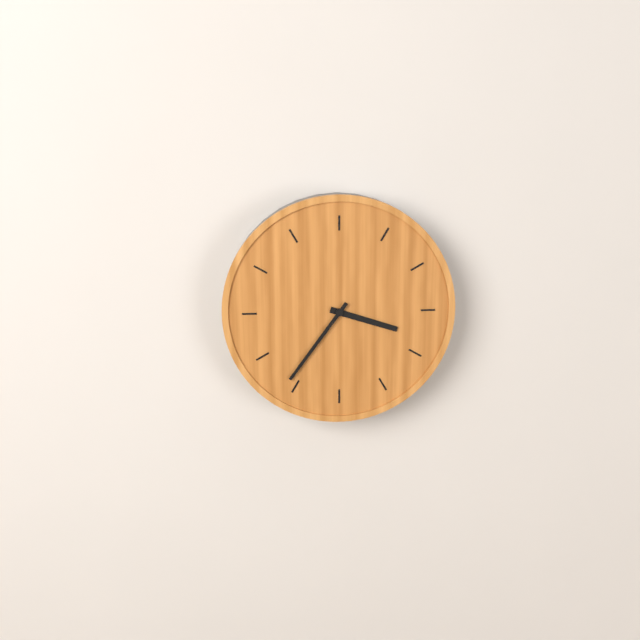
3:36
